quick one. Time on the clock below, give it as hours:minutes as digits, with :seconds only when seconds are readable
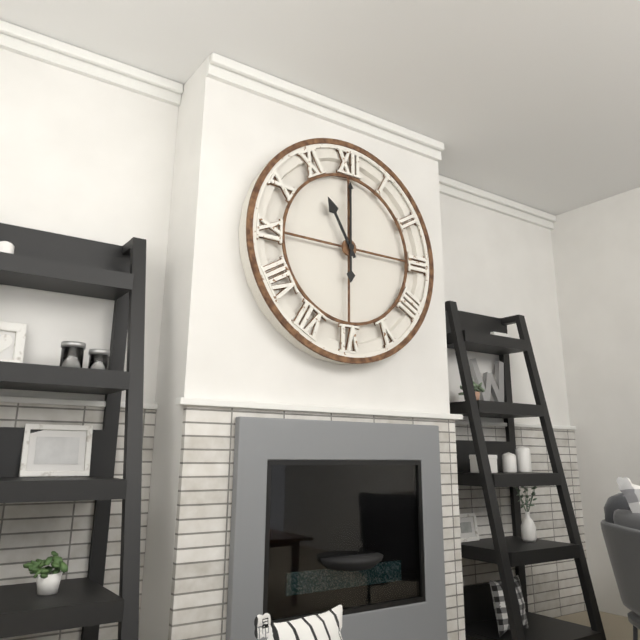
11:00
